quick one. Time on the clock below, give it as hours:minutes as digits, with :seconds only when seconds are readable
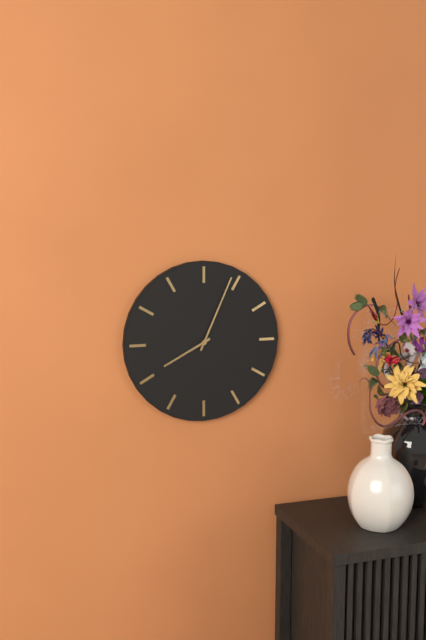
8:04
